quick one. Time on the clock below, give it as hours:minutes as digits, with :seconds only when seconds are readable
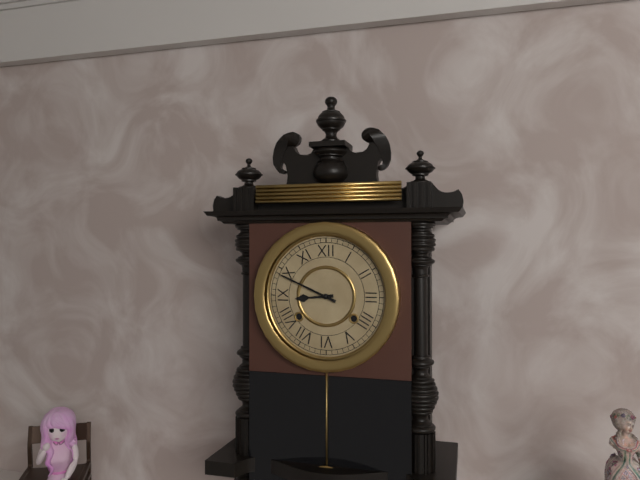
8:49
